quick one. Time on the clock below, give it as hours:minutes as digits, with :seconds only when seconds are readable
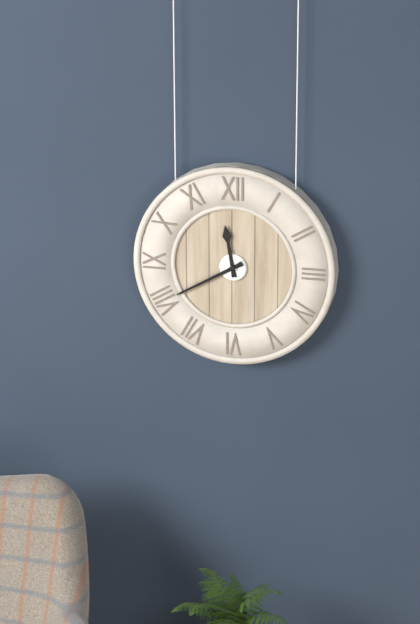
11:40
